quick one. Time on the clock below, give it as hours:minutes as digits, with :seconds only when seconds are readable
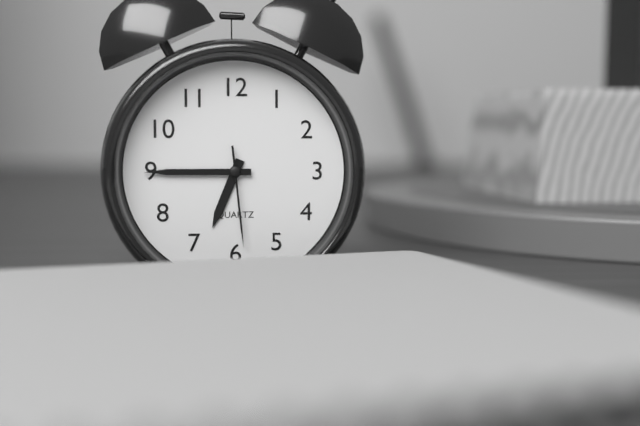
6:45:29
